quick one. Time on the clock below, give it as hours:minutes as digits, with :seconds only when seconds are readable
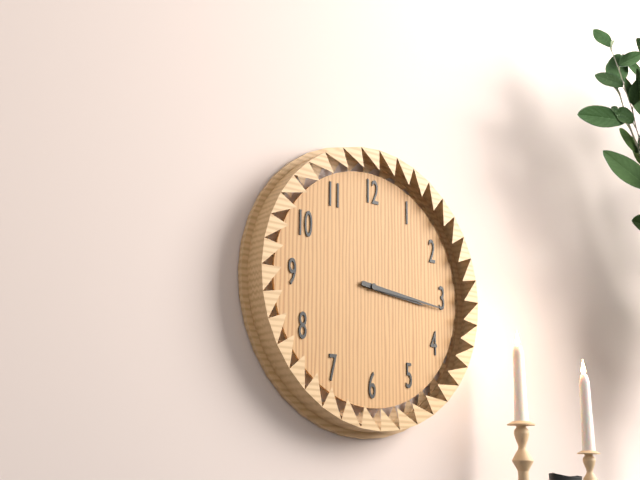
3:16
